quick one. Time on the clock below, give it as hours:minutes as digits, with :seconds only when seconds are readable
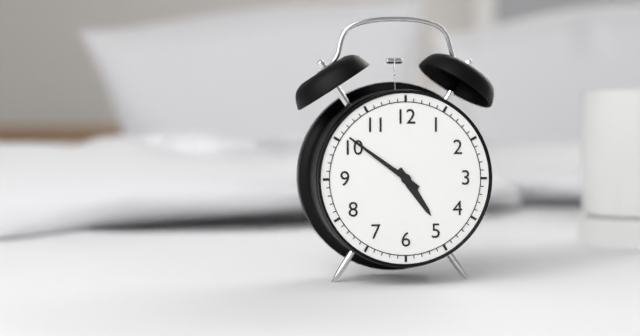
4:51
